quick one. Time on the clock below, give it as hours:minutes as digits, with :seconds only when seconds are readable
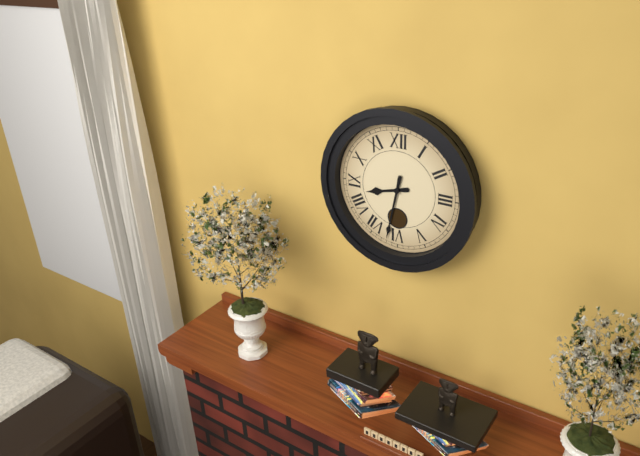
8:32
